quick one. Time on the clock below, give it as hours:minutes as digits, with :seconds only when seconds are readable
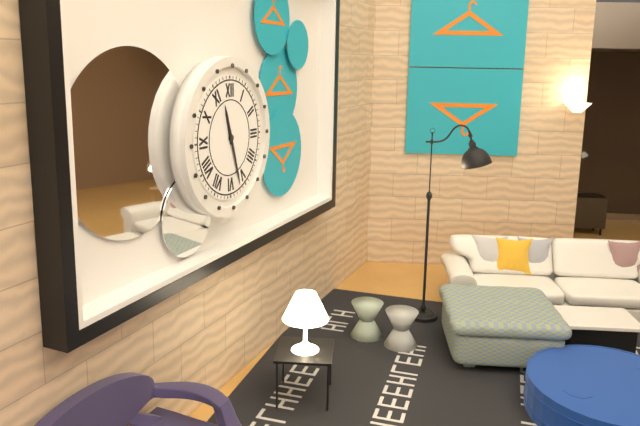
11:27
